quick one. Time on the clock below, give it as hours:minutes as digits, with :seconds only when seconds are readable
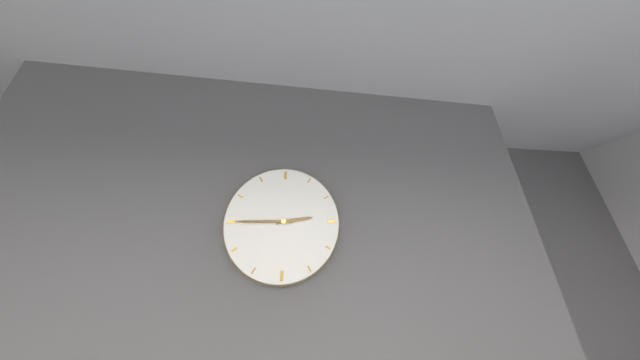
2:45
